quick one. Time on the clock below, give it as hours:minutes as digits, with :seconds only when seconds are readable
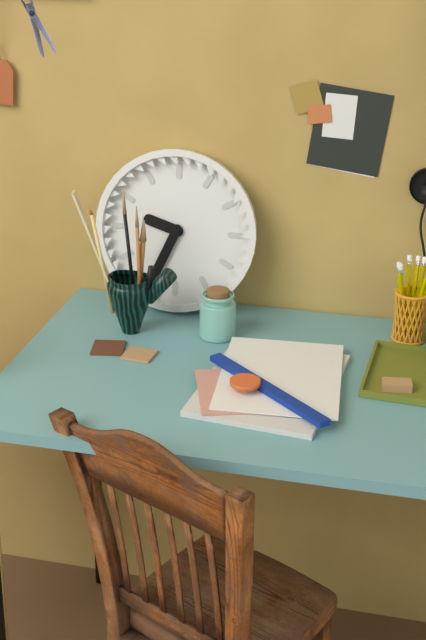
9:34
